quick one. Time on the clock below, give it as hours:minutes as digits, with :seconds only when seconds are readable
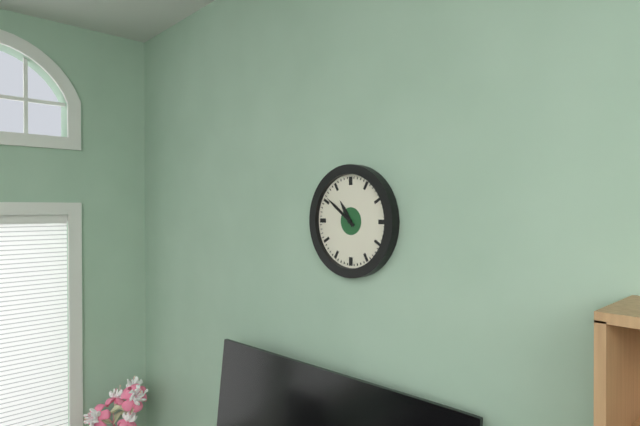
10:51
